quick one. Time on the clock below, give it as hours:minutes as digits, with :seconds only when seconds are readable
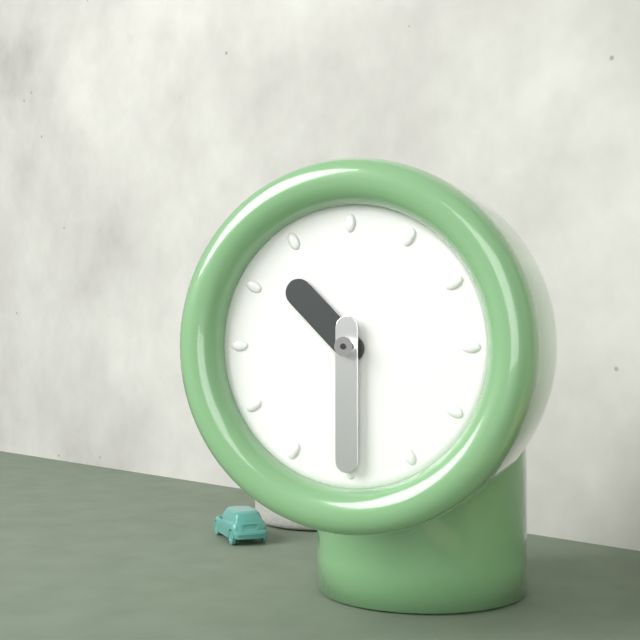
10:30
